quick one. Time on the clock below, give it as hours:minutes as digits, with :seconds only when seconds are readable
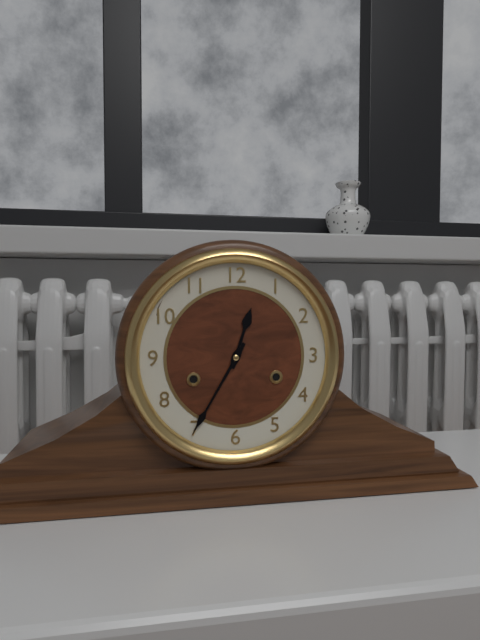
12:35
